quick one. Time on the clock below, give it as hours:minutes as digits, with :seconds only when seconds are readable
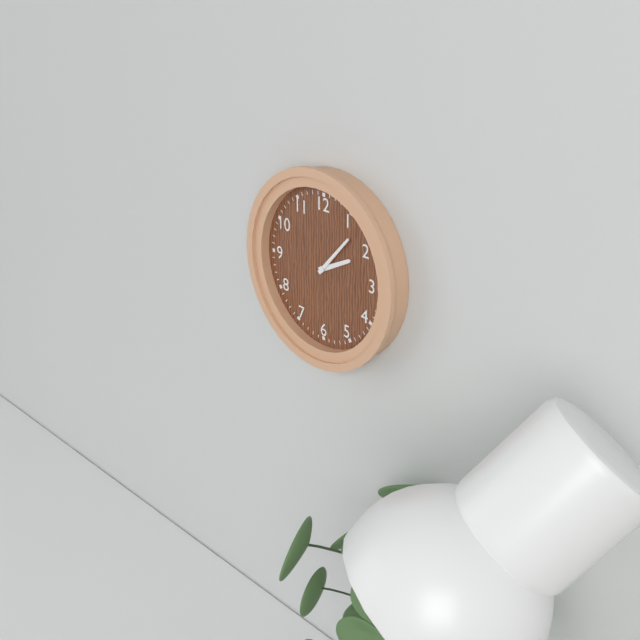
2:07
